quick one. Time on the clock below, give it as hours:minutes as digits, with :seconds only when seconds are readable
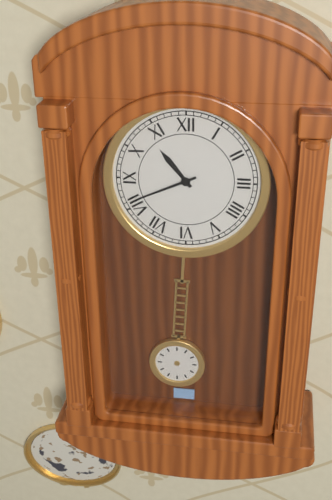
10:41
